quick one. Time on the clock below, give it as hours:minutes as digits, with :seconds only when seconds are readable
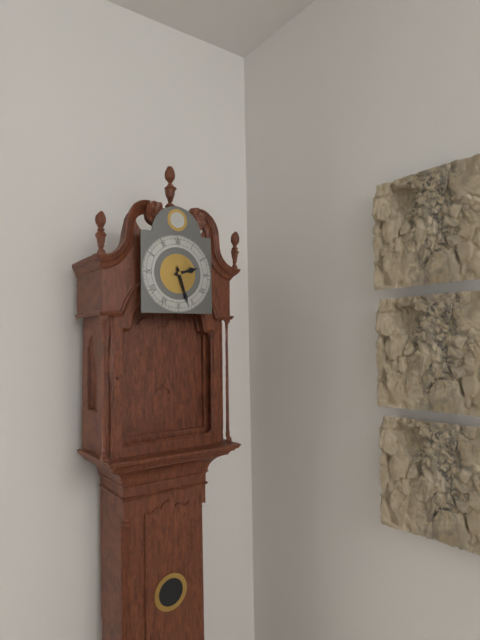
2:27
